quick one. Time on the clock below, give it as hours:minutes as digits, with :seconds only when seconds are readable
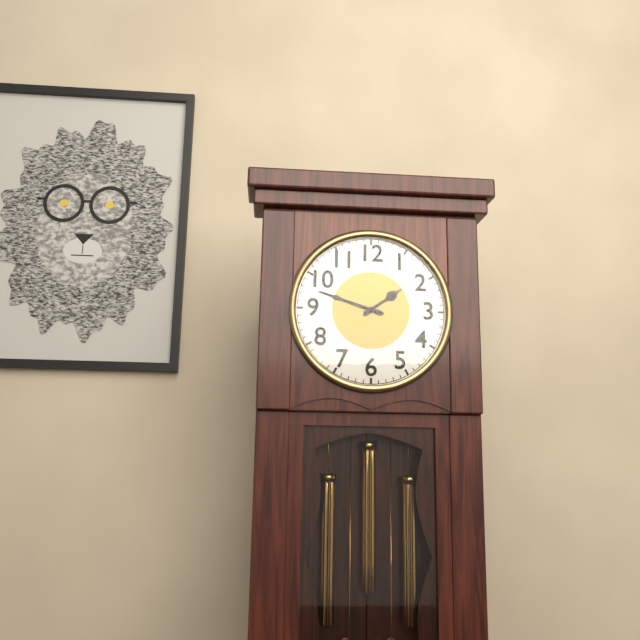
1:48
